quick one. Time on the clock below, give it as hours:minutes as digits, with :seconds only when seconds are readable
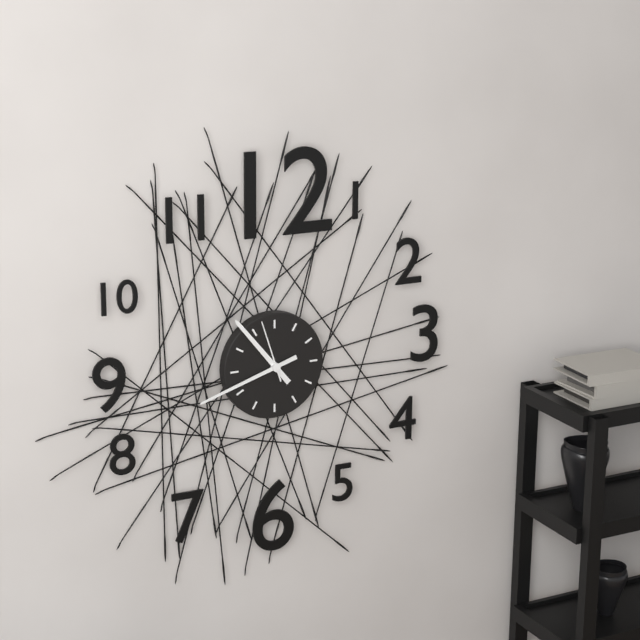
10:42:57
